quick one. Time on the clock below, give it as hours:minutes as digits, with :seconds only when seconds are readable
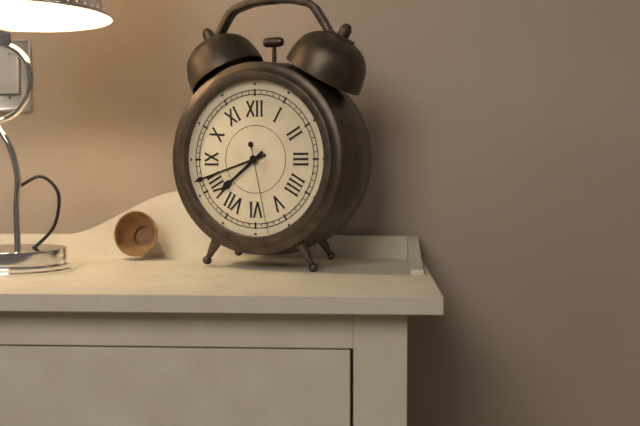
7:42:28
